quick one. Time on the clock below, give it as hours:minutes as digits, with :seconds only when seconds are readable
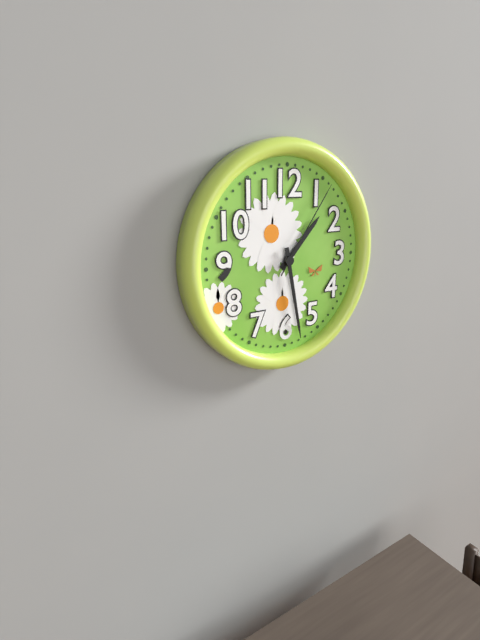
1:28:06
